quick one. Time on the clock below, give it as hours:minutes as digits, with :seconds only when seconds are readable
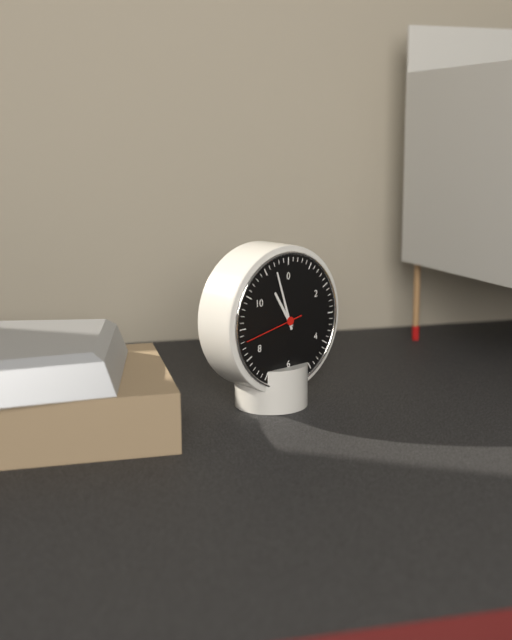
10:57:43
